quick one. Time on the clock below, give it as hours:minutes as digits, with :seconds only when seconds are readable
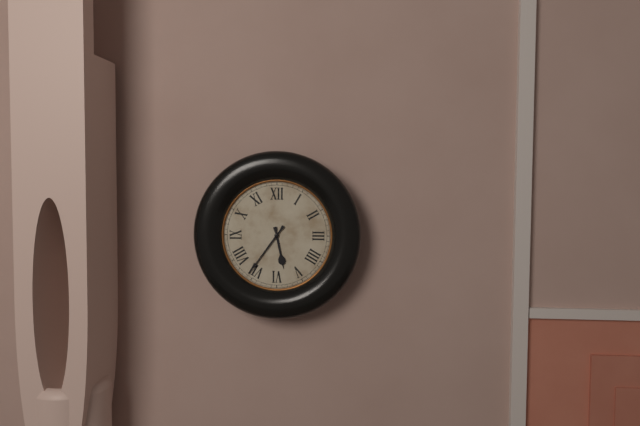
5:36
